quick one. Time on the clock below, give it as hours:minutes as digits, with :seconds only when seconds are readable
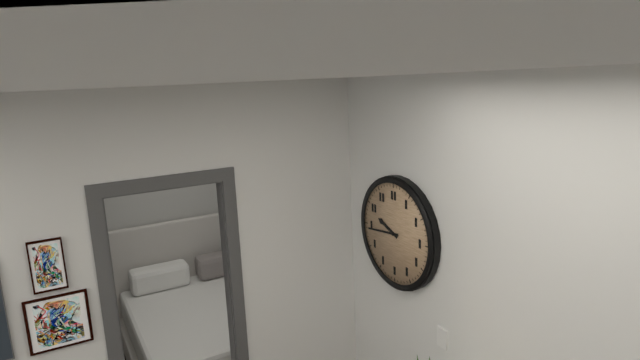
9:44
